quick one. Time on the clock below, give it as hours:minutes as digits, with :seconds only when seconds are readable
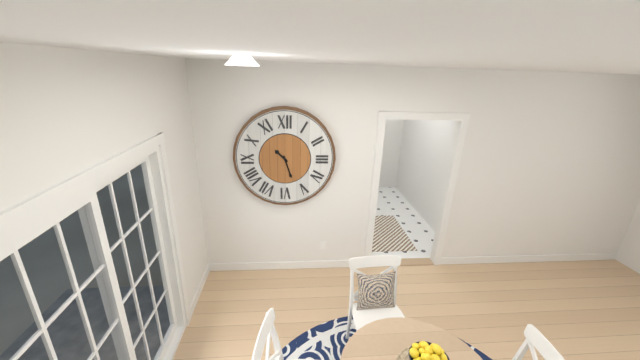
10:27
